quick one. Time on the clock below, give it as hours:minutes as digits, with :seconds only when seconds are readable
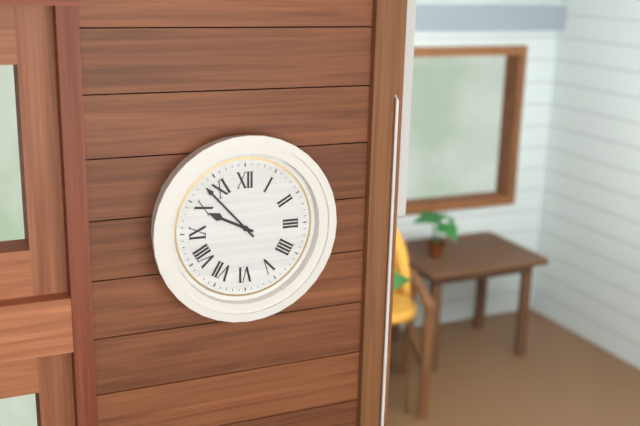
9:53
